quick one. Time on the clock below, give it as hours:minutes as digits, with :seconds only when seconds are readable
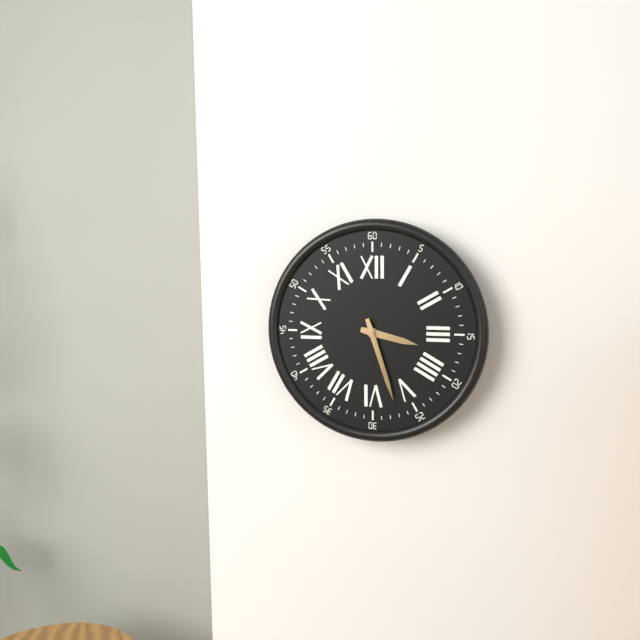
3:27
